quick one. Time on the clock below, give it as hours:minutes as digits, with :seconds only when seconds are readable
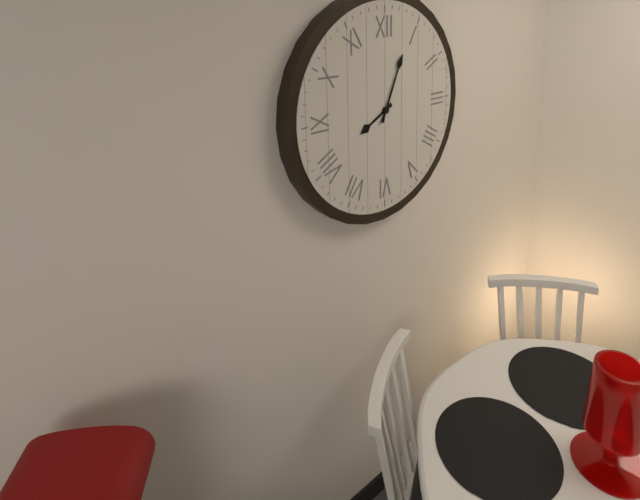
8:04
